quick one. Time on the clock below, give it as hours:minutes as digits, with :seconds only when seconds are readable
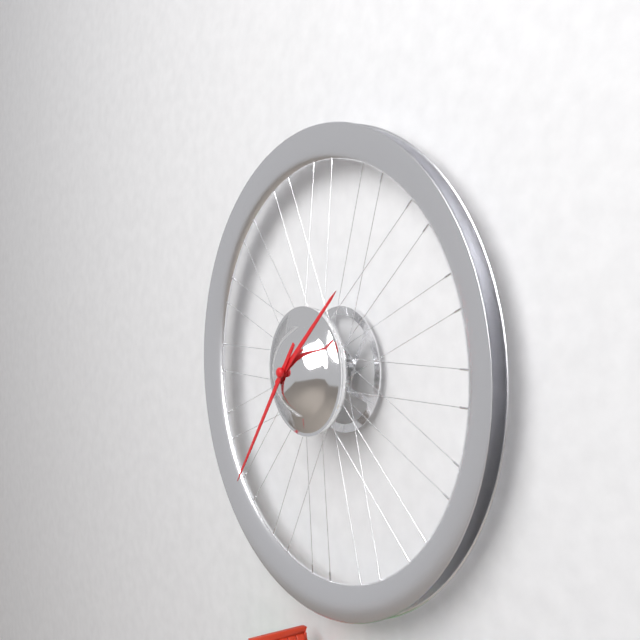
1:36
